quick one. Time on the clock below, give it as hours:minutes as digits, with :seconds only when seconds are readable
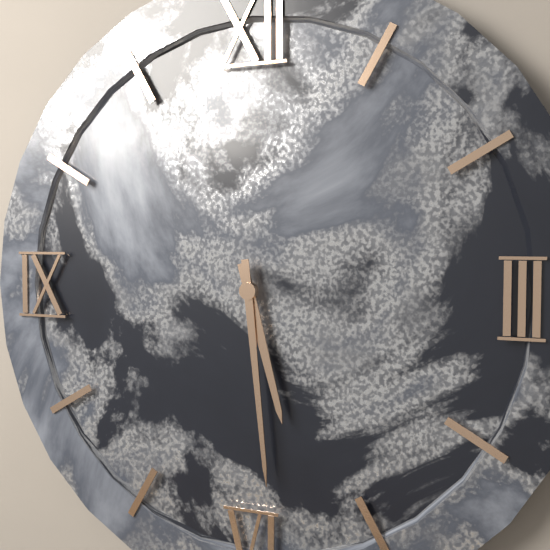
5:29
